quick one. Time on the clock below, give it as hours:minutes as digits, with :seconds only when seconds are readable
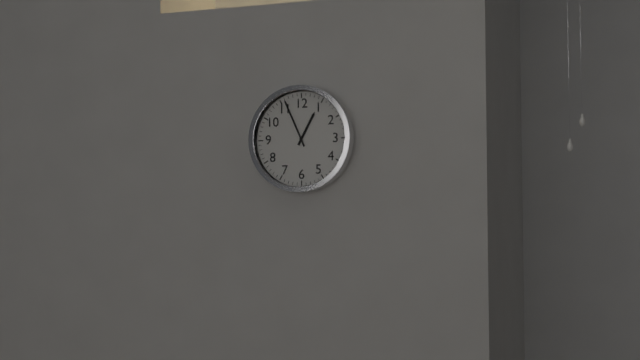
12:56
